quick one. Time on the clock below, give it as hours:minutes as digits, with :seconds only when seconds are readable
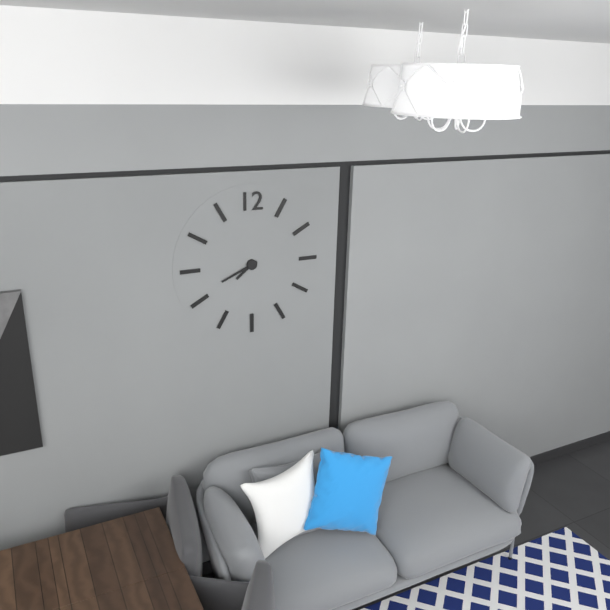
7:41
